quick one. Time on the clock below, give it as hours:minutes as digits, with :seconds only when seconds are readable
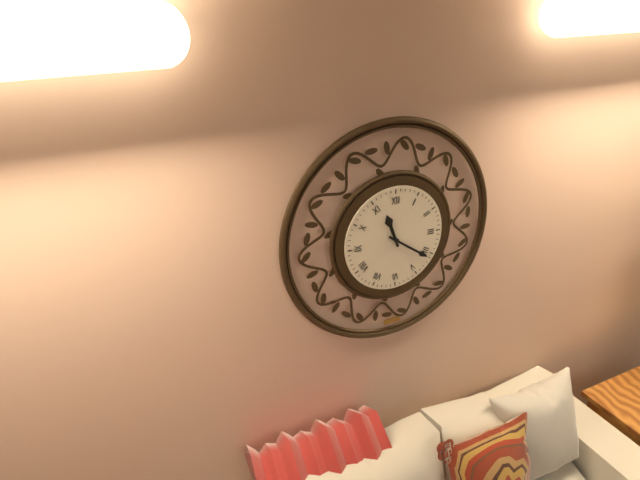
11:21
